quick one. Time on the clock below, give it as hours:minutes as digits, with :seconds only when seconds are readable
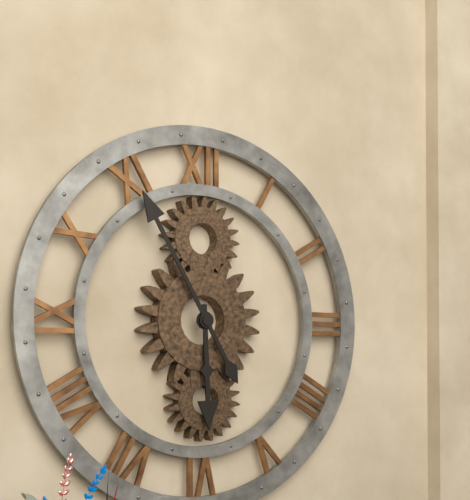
5:55
